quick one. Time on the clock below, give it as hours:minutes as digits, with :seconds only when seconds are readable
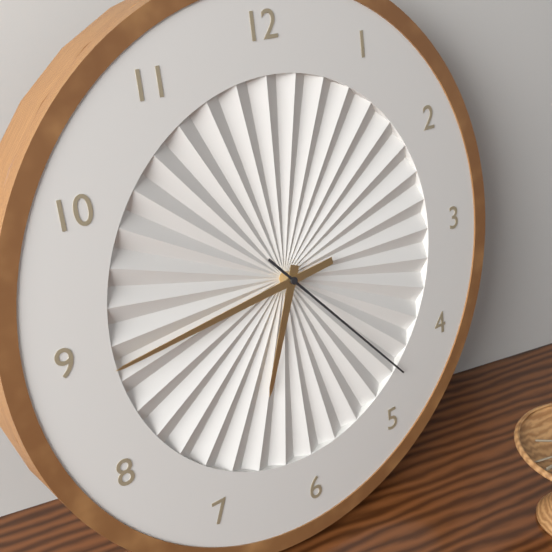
6:44:23
